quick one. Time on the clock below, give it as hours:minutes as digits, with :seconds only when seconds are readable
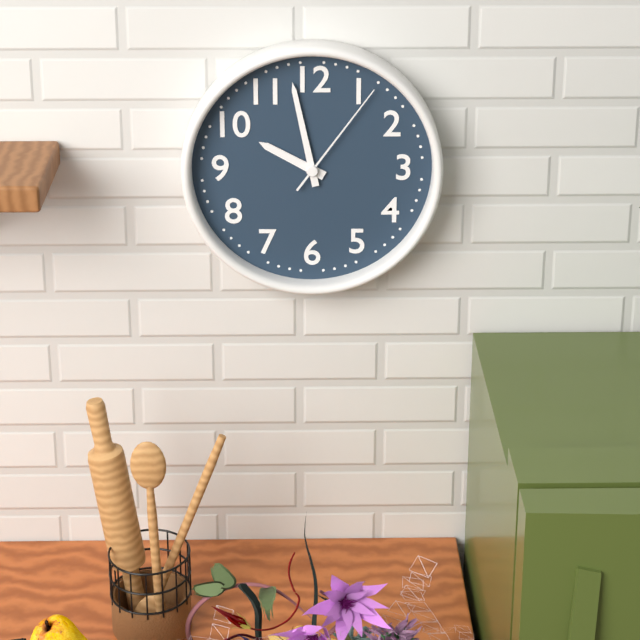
9:58:06
